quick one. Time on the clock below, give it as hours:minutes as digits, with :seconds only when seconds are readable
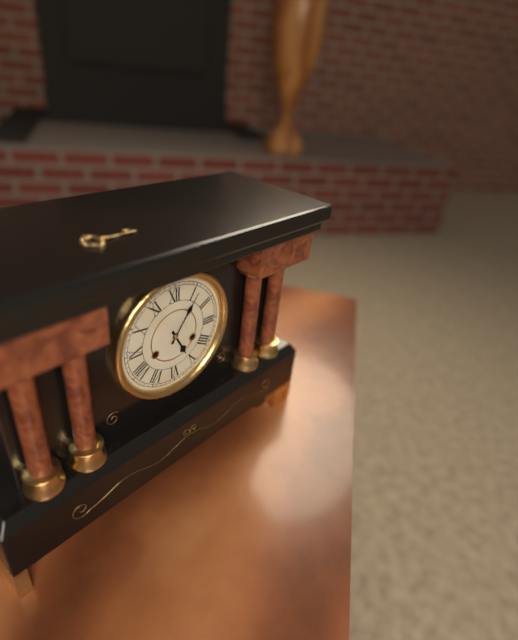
5:06
